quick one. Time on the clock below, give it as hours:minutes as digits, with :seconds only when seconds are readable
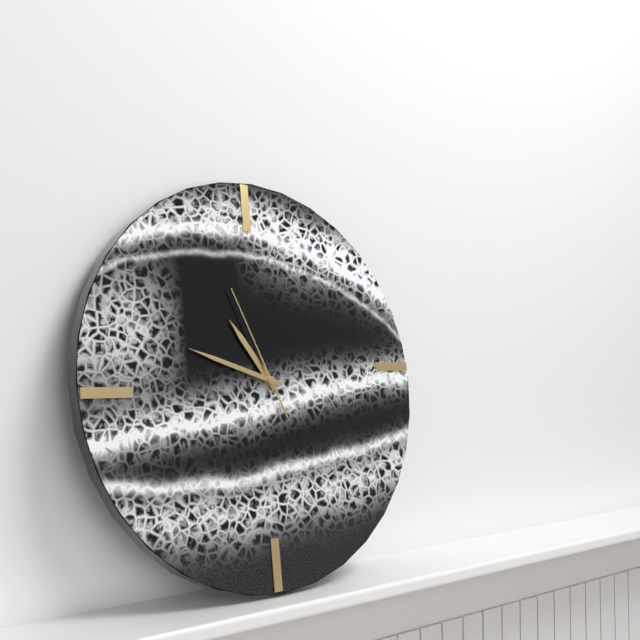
10:48:56
